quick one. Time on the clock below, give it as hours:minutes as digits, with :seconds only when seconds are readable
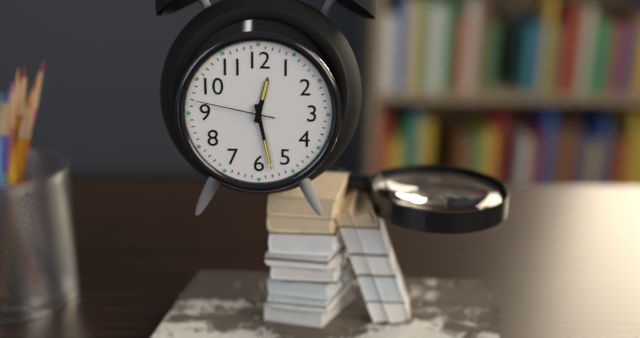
12:28:47
